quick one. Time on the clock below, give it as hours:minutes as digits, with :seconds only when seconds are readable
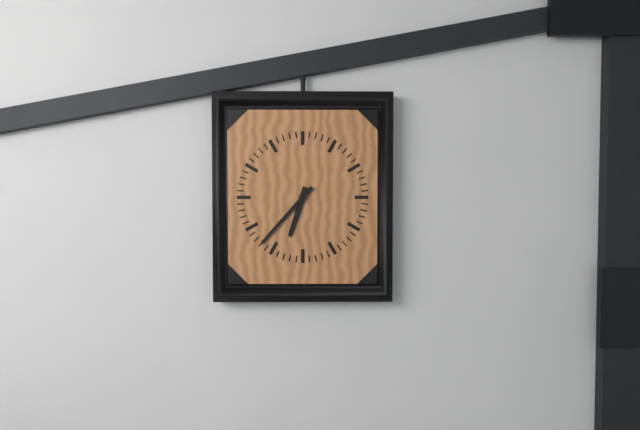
6:37
